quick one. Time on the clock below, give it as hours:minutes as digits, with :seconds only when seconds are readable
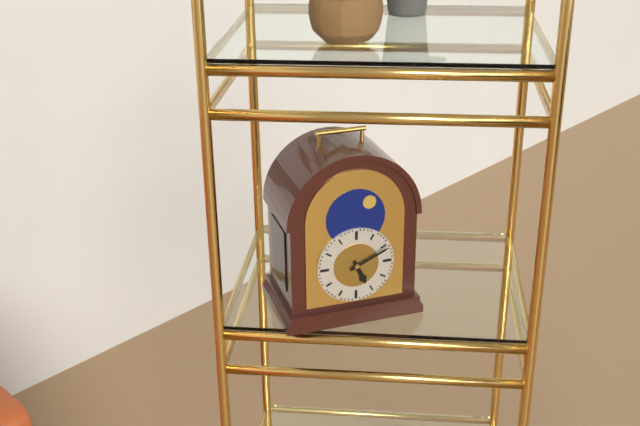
5:11
